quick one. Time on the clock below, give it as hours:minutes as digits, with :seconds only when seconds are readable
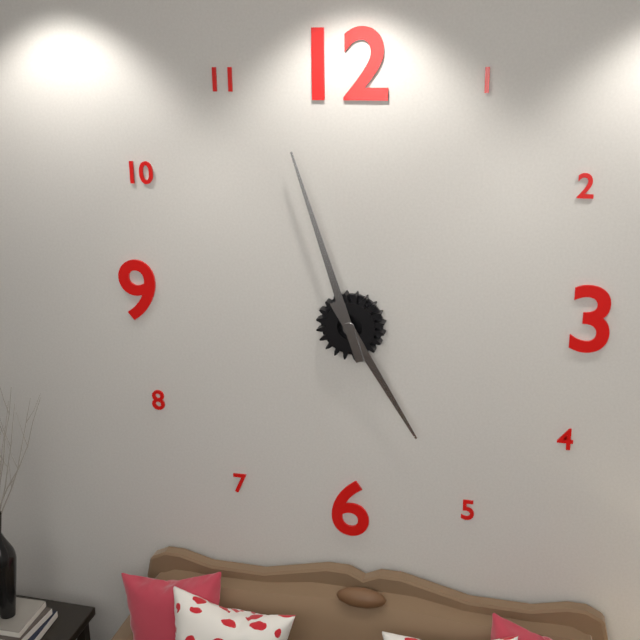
4:57
